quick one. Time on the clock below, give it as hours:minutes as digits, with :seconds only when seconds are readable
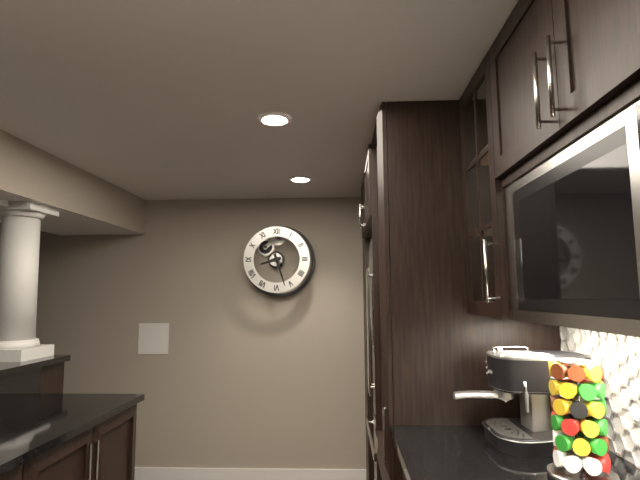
8:27
